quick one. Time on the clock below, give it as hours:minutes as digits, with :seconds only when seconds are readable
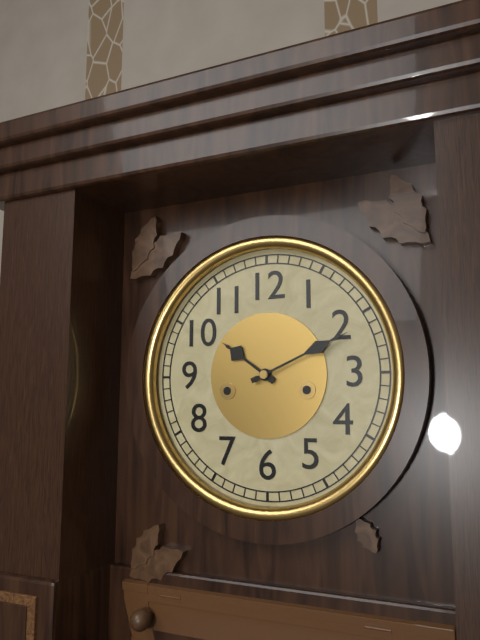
10:11
